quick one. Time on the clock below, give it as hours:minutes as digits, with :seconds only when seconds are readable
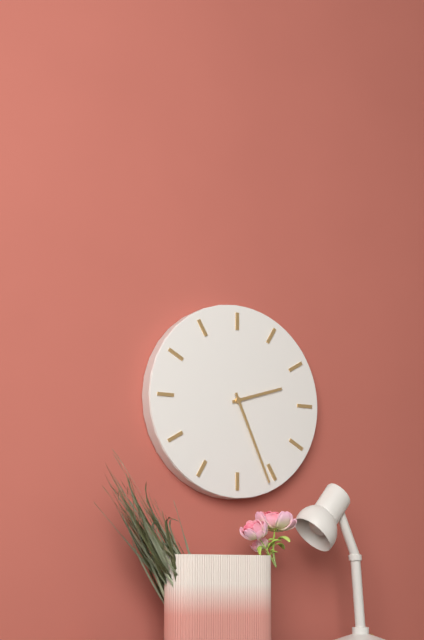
2:26
